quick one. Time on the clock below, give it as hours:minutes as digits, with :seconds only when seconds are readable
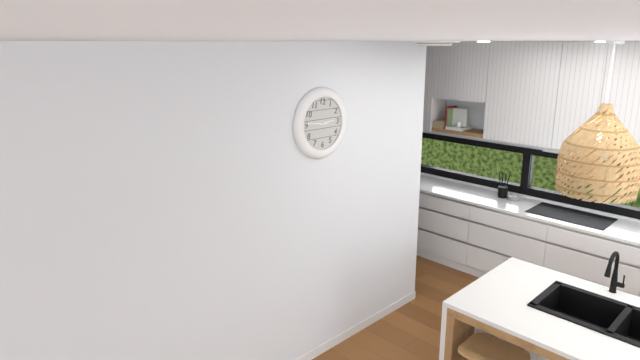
2:46
